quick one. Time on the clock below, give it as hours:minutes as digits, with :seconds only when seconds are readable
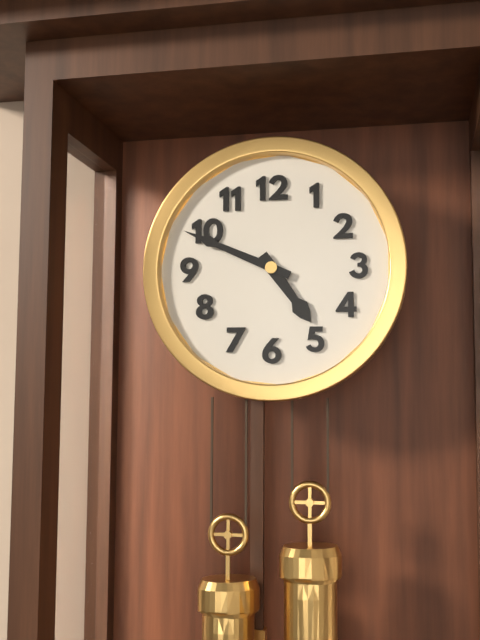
4:49
